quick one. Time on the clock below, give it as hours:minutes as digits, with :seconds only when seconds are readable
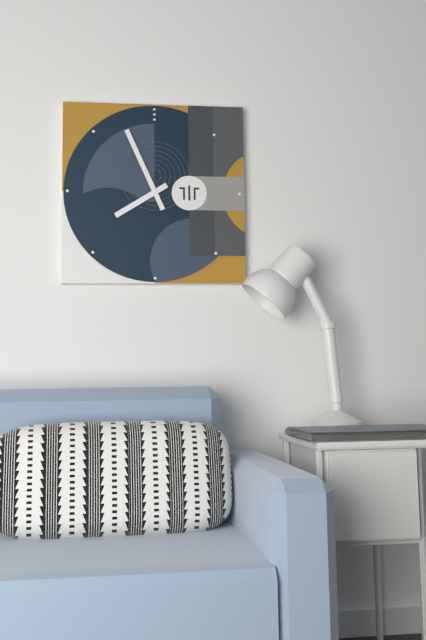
7:56
